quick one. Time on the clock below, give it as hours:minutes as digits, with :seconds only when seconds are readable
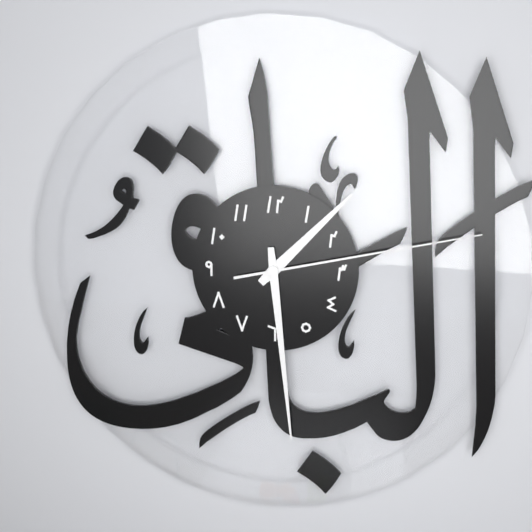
1:29:13
